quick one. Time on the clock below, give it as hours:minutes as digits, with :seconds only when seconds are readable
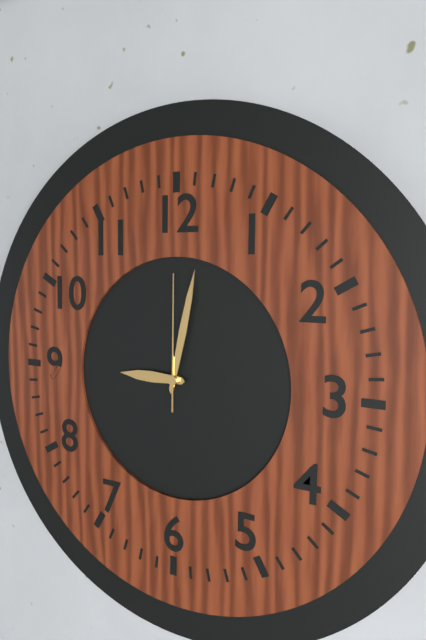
9:02:00
